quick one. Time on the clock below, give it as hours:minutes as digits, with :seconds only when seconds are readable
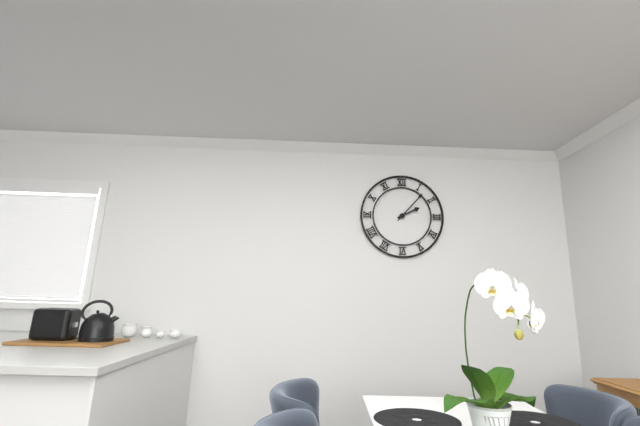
2:07
